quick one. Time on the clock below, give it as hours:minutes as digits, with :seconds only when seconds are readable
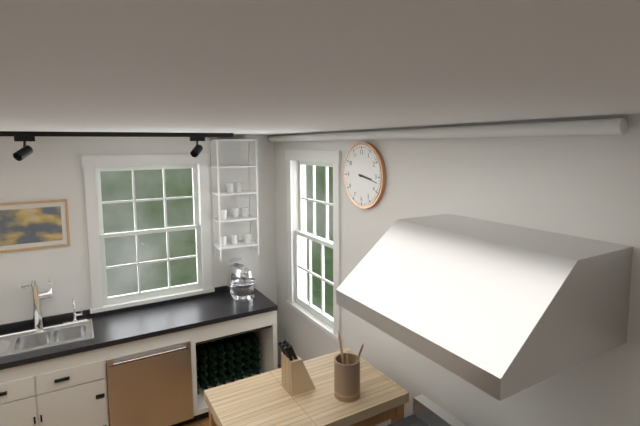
3:17
